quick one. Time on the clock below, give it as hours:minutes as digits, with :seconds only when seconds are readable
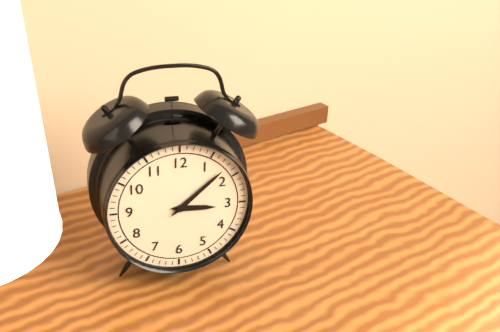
3:08
